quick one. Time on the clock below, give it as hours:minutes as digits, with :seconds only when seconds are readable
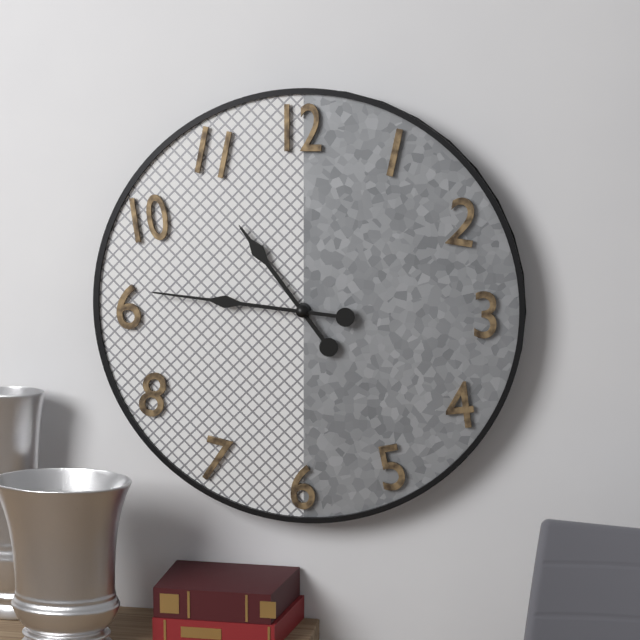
10:46
